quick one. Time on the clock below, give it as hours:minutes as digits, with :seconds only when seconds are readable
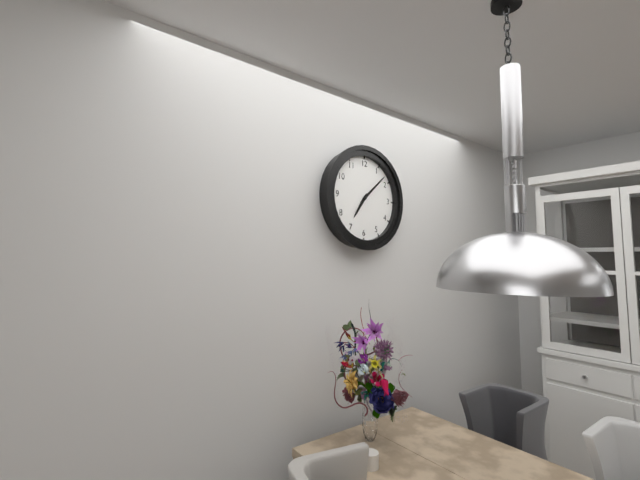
7:08
